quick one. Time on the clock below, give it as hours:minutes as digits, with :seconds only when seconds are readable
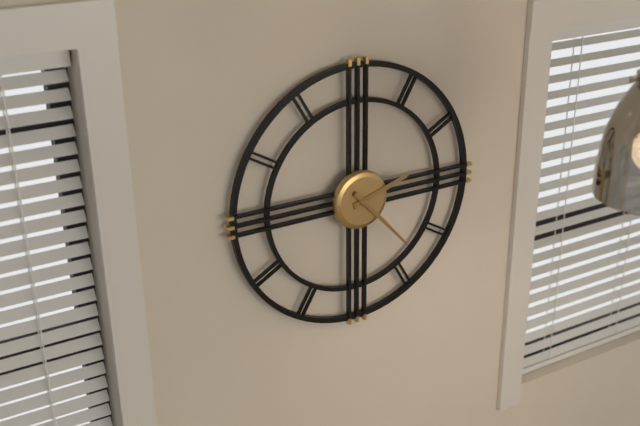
2:23
